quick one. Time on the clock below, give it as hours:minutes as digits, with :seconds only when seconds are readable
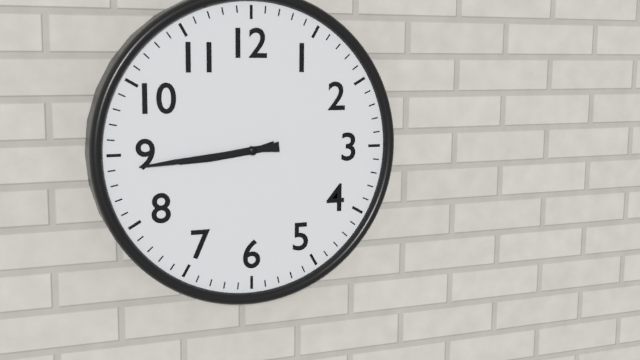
8:44
